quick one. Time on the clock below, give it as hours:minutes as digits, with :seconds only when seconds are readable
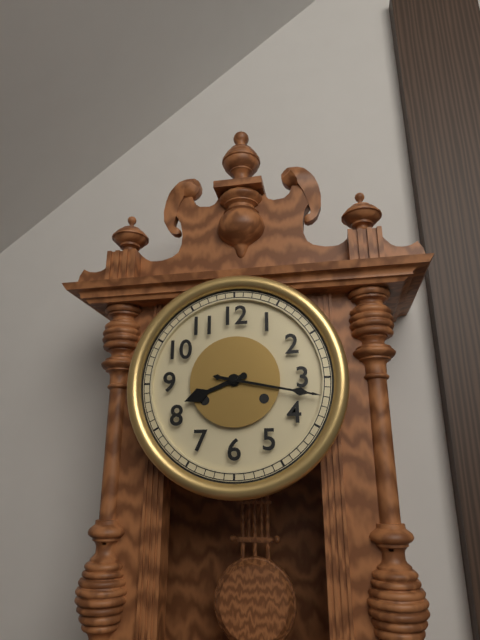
8:17
